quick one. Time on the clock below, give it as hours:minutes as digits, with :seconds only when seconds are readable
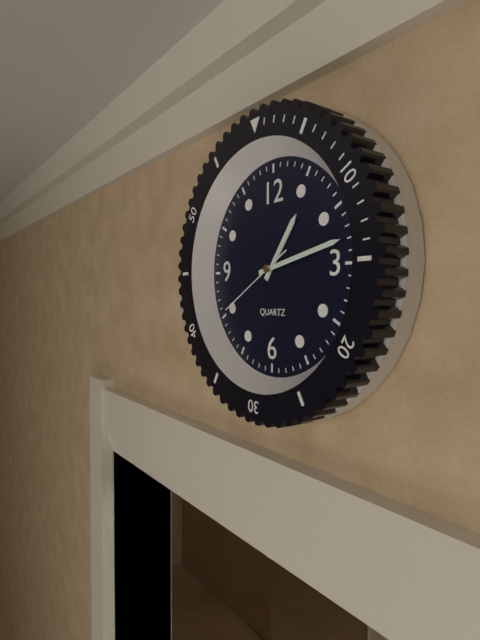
1:13:40
